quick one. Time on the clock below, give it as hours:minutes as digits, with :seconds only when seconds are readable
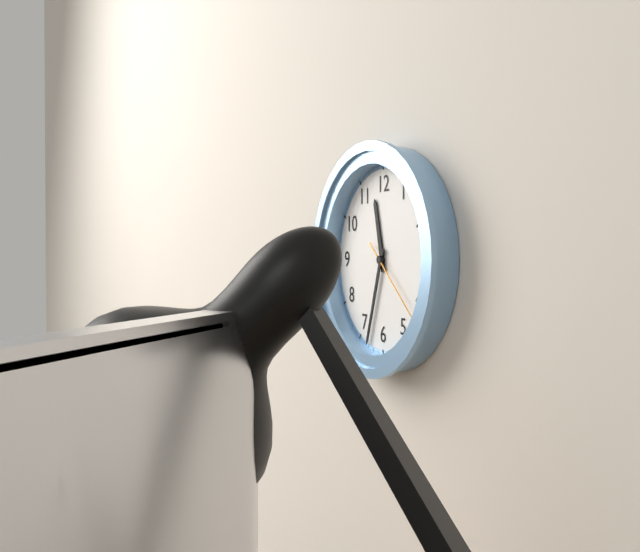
11:33:22
